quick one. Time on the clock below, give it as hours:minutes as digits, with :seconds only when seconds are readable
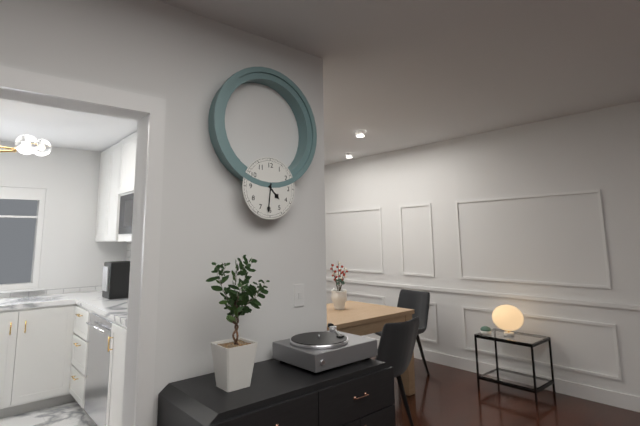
4:31
